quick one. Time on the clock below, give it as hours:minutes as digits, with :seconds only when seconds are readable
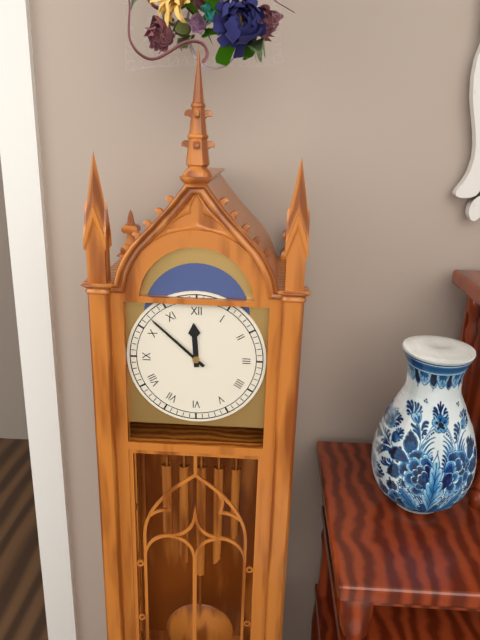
11:52
